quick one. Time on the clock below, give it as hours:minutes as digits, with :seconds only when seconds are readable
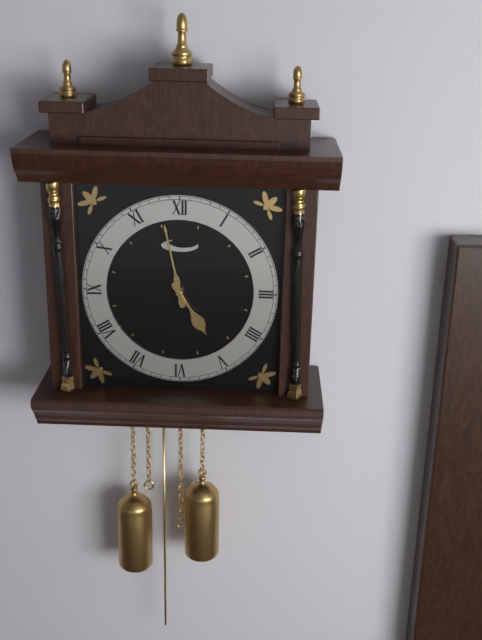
4:58
